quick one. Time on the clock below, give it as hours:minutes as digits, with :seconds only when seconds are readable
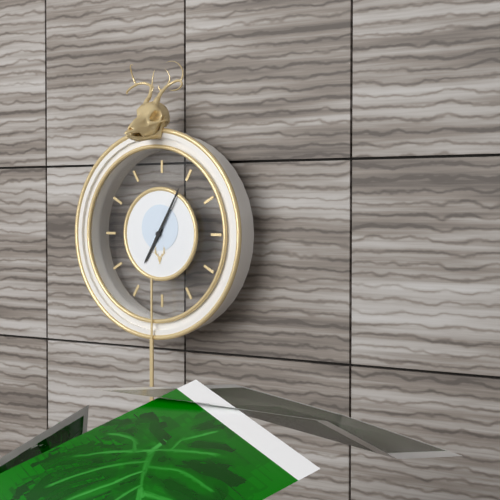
7:05
